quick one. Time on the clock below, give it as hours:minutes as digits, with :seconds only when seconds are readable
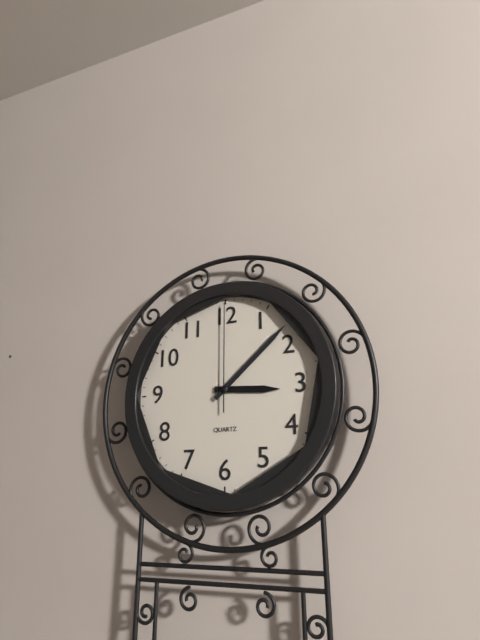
3:08:00
